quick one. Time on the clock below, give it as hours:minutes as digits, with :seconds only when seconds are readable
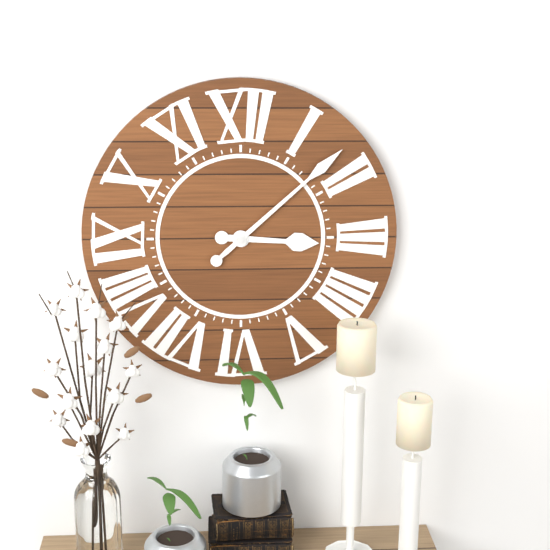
3:08
